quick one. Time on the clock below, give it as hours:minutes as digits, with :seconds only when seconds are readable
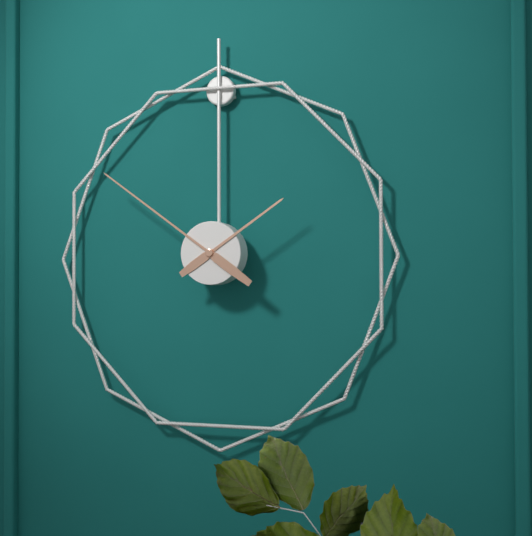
1:51
